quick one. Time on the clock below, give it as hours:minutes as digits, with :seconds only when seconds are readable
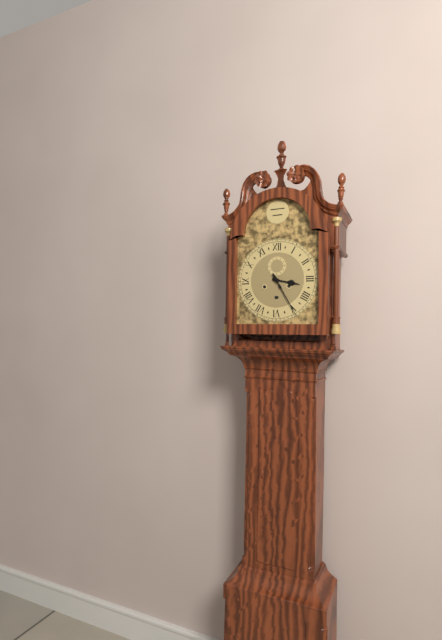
3:25
